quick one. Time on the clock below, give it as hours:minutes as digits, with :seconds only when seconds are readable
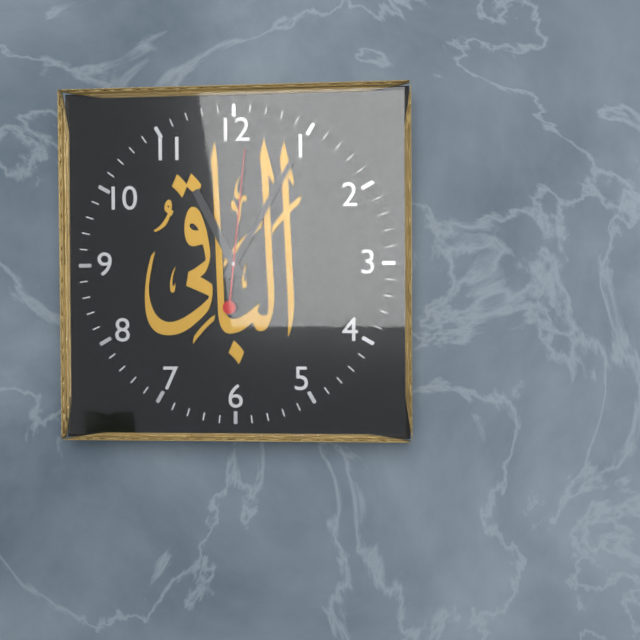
11:05:01
